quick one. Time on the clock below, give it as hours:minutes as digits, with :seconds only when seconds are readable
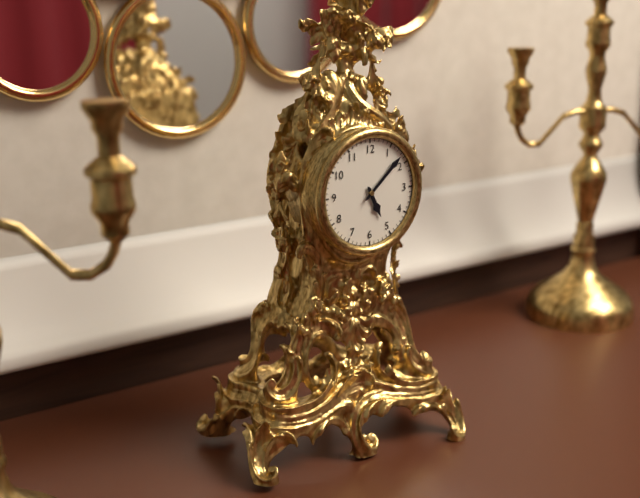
5:08
